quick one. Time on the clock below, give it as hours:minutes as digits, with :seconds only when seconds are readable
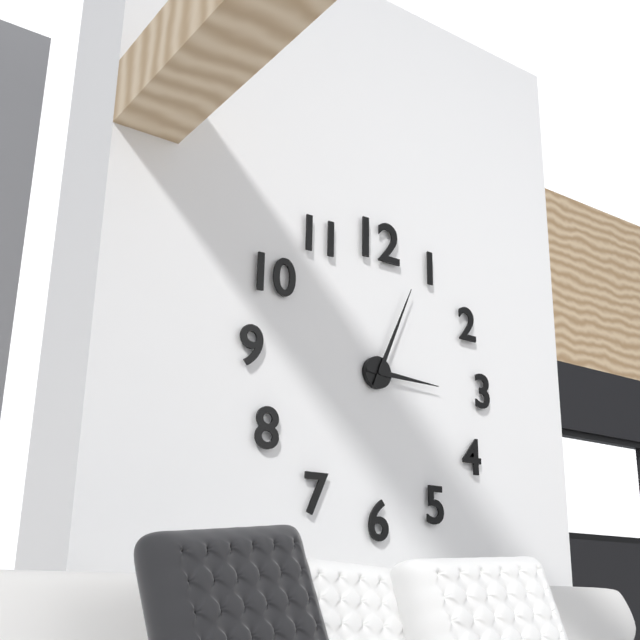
3:04
